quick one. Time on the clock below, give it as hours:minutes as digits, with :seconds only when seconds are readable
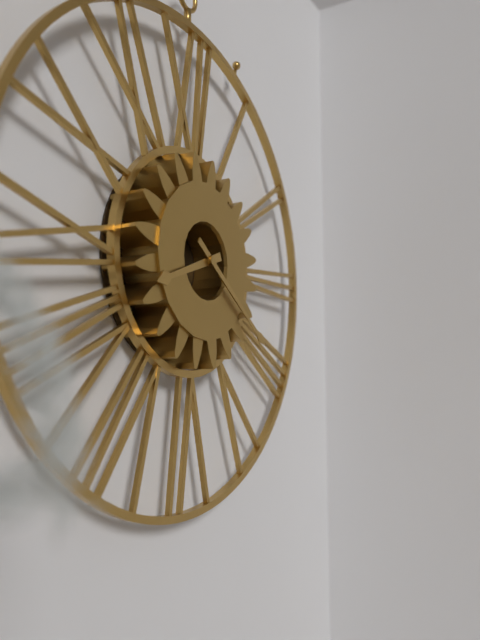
8:21
